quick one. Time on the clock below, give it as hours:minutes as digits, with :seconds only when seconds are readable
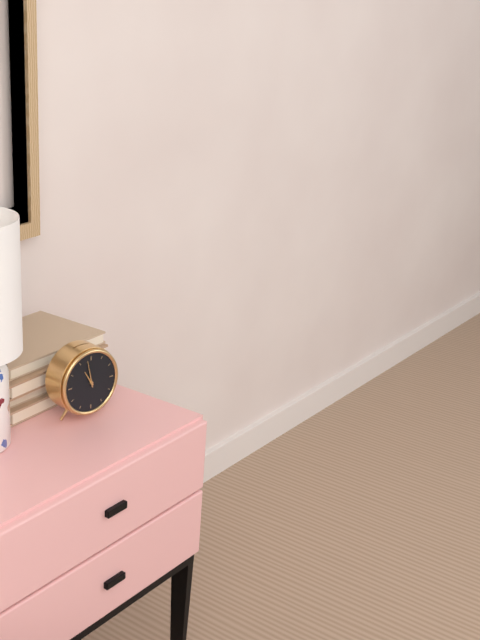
10:58
